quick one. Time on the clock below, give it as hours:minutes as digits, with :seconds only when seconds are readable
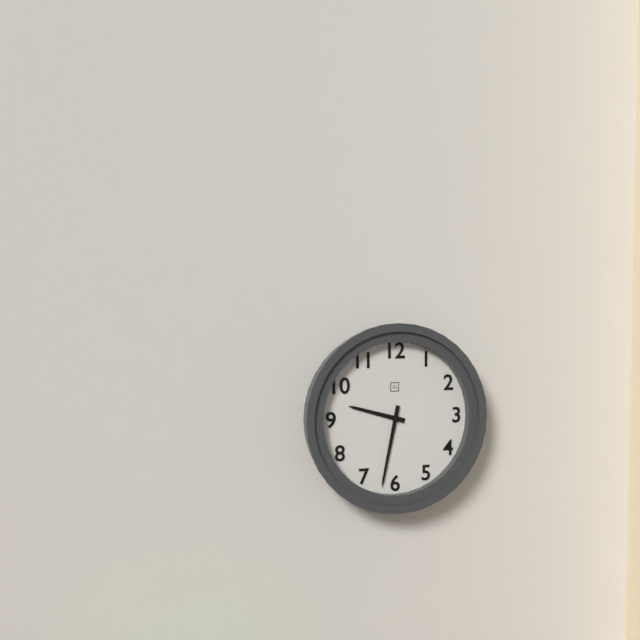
9:32
